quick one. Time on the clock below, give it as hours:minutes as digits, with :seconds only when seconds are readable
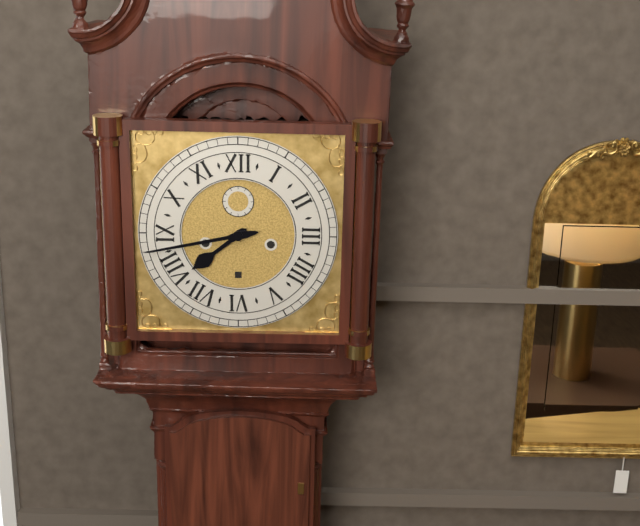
7:43
